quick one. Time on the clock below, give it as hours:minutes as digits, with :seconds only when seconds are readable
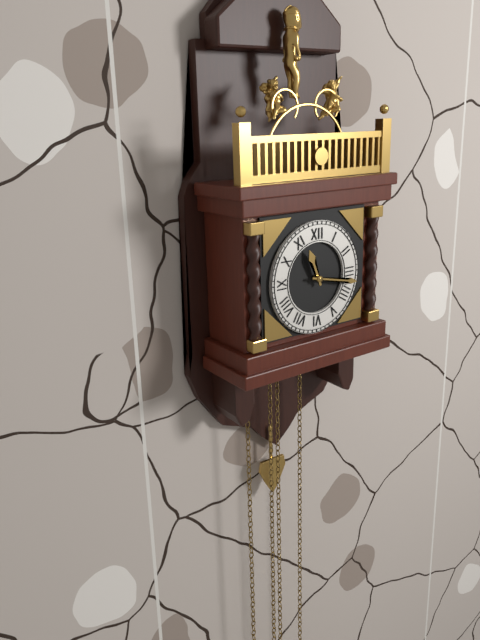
11:17
